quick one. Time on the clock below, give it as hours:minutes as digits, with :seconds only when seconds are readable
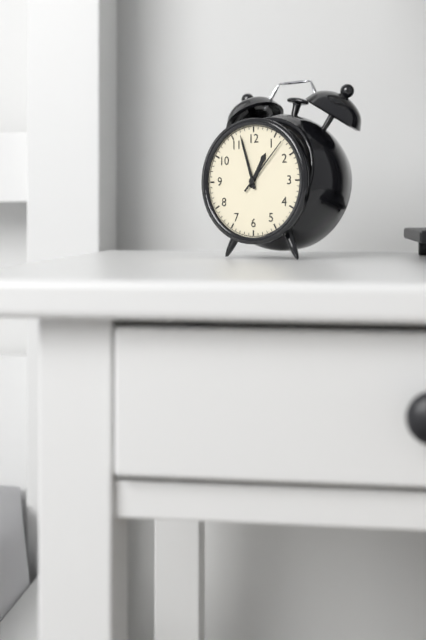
12:57:07
